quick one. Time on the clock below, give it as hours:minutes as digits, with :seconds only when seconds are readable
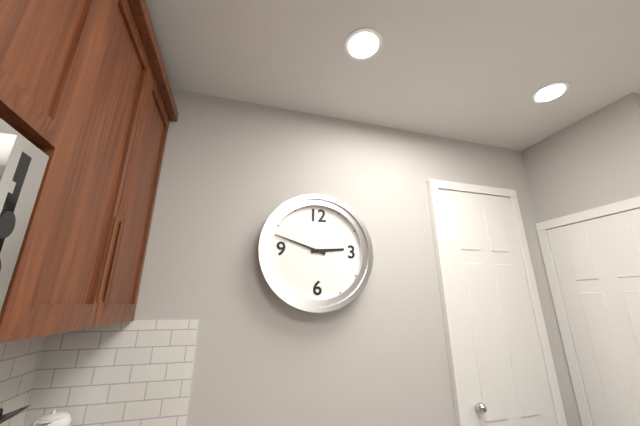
2:48
